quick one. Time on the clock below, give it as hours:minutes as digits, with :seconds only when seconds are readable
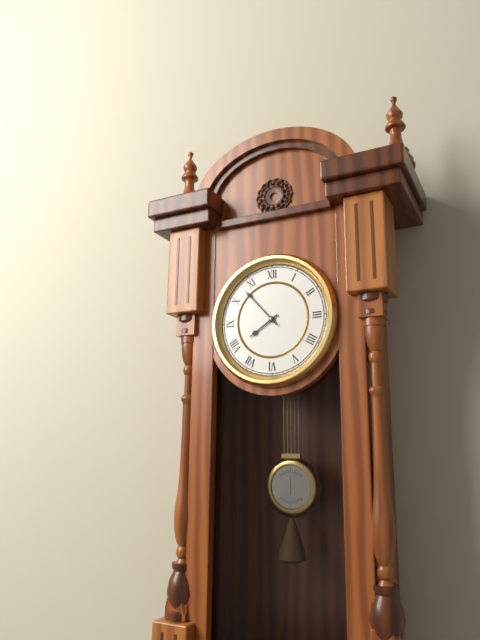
7:53
